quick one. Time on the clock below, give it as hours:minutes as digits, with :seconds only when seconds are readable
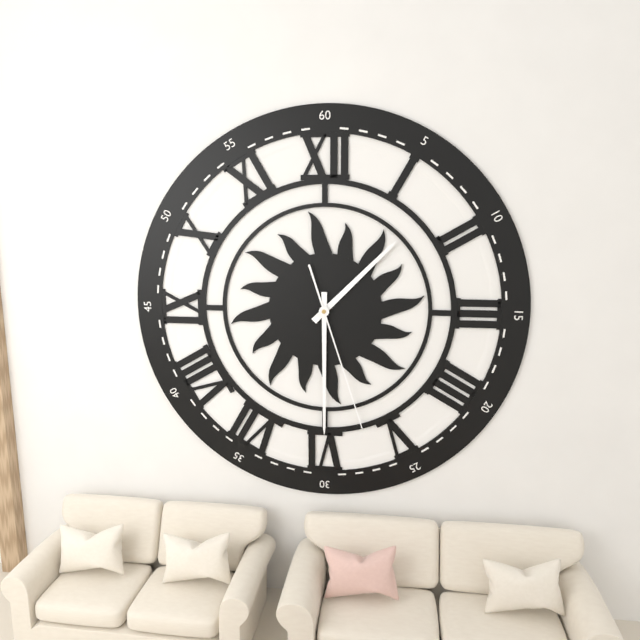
1:30:27
